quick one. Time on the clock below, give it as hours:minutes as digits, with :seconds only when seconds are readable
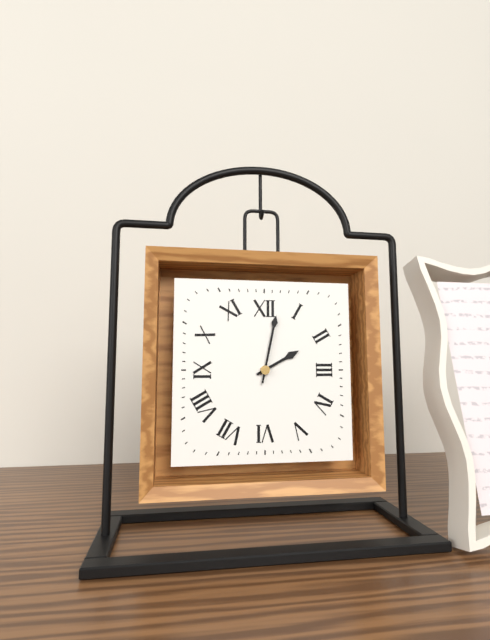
2:02
